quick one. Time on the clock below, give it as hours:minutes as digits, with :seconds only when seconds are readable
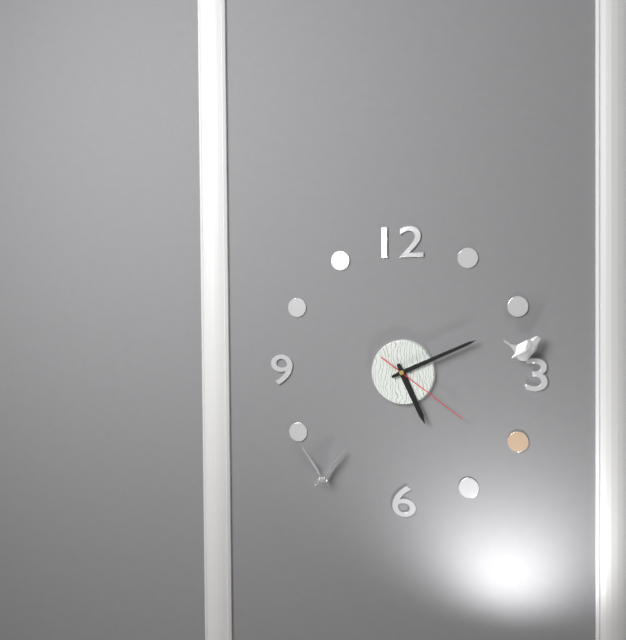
5:11:21
